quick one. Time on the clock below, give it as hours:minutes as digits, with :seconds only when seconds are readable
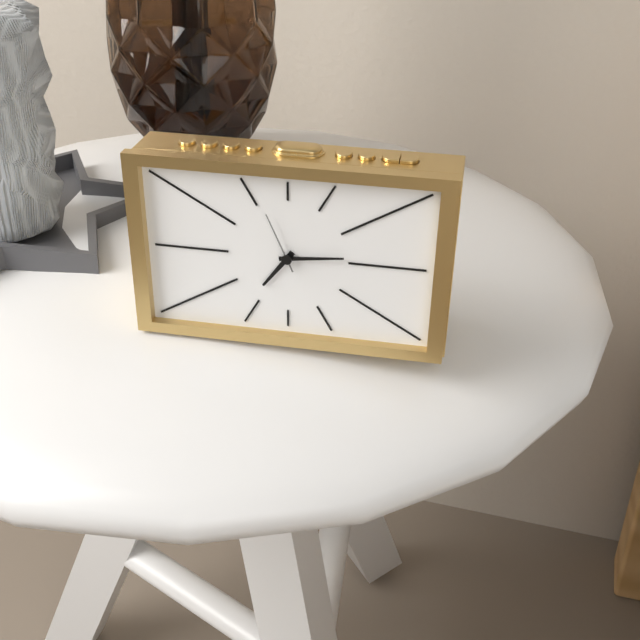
7:14:56
